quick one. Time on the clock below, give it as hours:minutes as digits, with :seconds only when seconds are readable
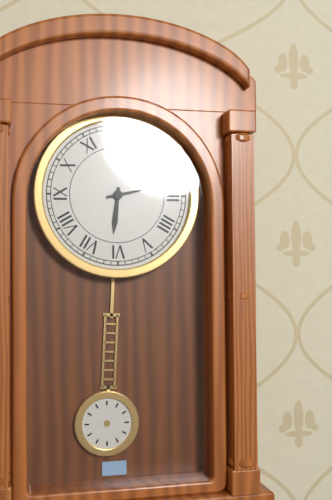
6:13
